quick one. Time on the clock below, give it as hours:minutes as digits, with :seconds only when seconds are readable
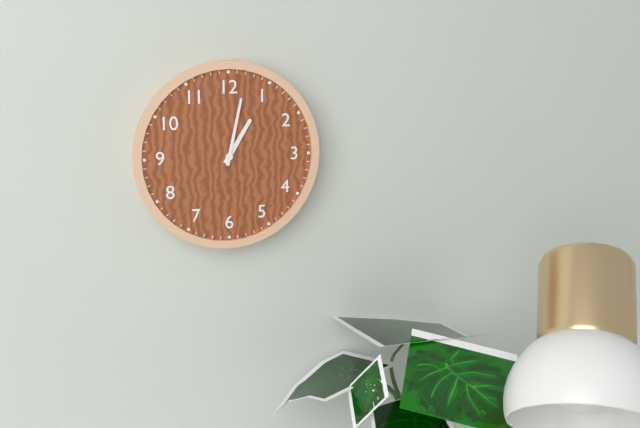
1:02
